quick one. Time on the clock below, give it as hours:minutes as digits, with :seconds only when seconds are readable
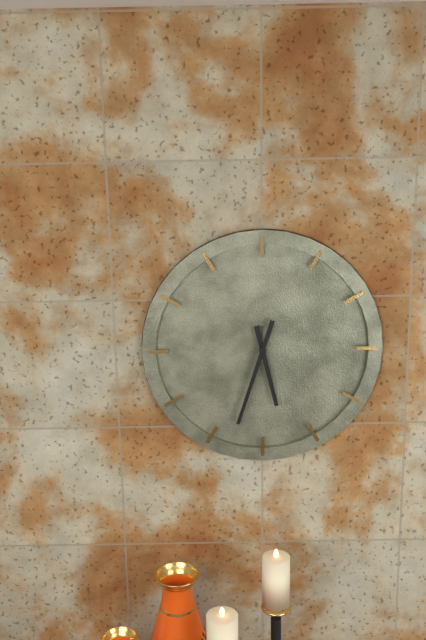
5:33
